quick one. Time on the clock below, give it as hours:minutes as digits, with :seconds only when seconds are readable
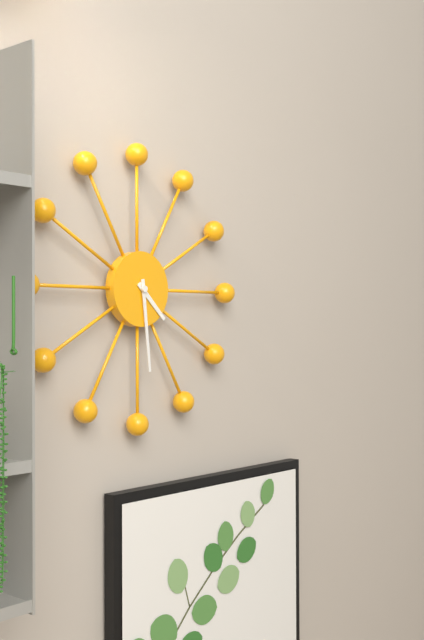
4:29
